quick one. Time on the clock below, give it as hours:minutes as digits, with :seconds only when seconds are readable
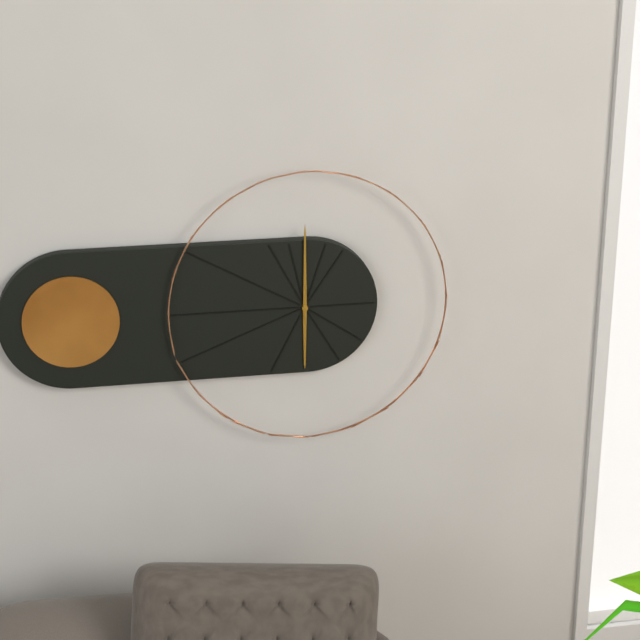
6:00
